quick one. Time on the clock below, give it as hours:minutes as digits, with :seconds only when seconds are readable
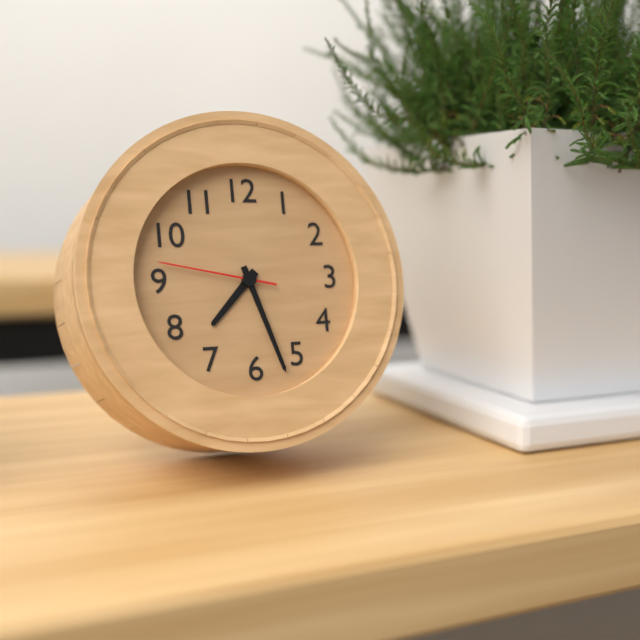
7:27:47
